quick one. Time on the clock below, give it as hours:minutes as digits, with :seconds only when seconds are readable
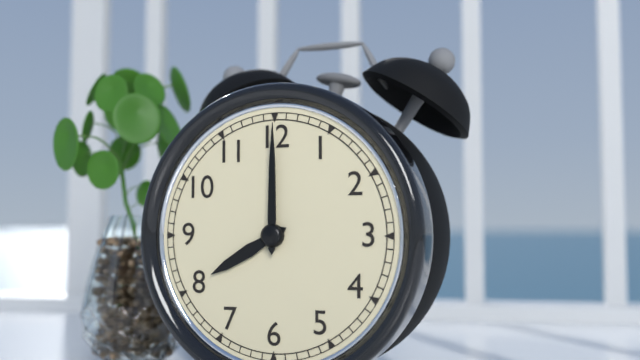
8:00
